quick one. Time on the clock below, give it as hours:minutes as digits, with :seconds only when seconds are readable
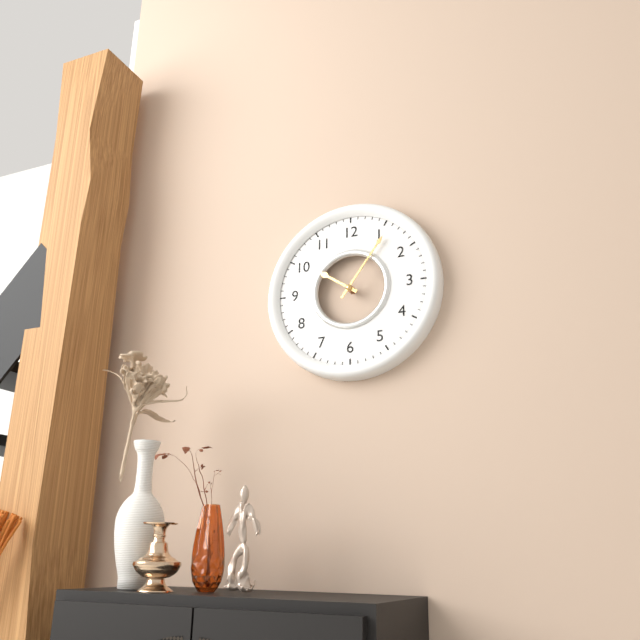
10:06
